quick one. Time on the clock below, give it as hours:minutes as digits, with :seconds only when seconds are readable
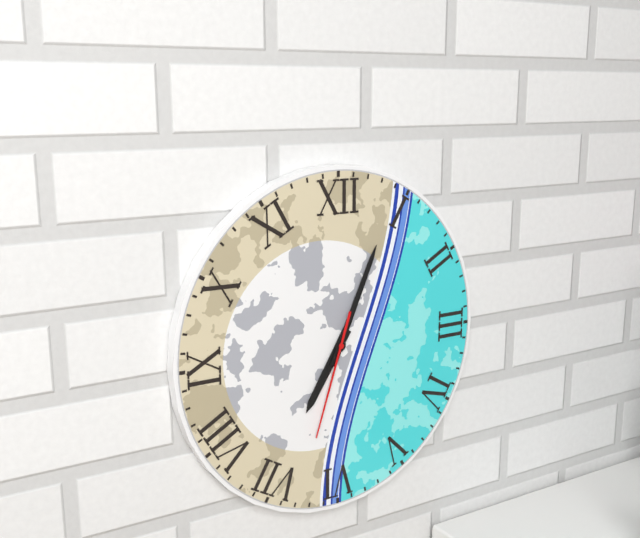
7:04:33
